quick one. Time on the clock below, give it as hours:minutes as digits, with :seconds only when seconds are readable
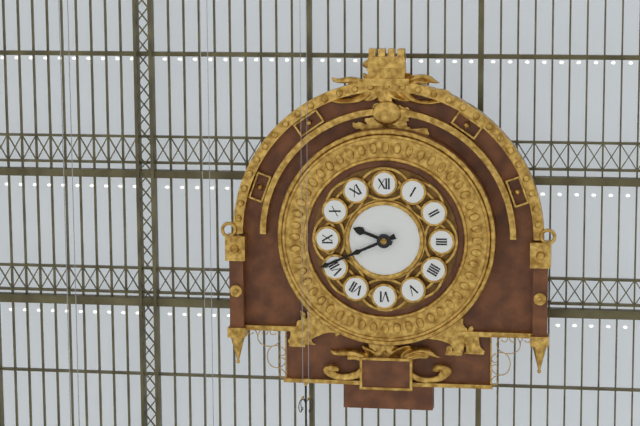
9:41
